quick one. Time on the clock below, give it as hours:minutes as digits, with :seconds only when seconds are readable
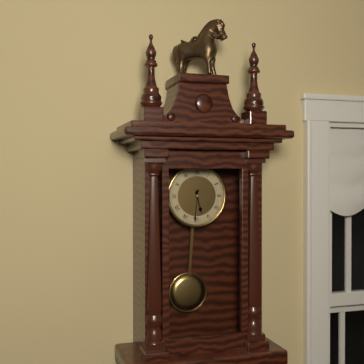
5:31
